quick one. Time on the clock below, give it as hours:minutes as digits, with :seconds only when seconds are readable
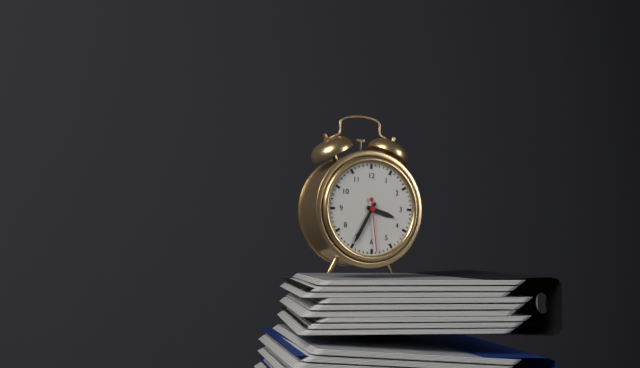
3:35:29
